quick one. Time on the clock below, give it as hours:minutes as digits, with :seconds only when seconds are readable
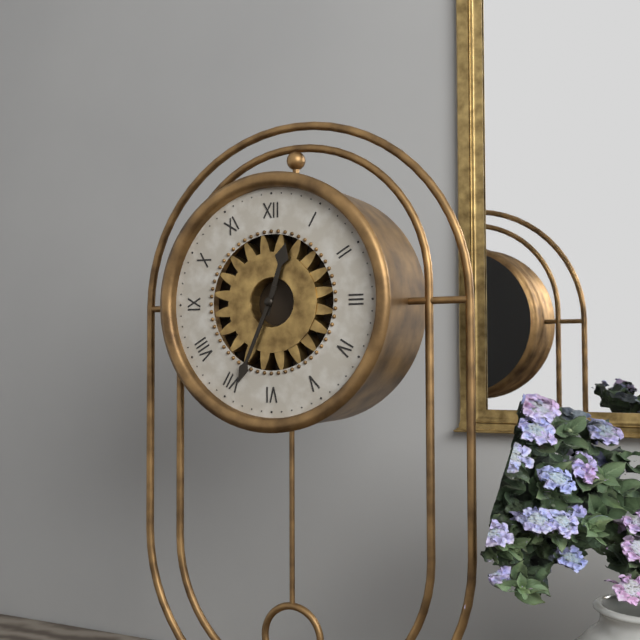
12:34
